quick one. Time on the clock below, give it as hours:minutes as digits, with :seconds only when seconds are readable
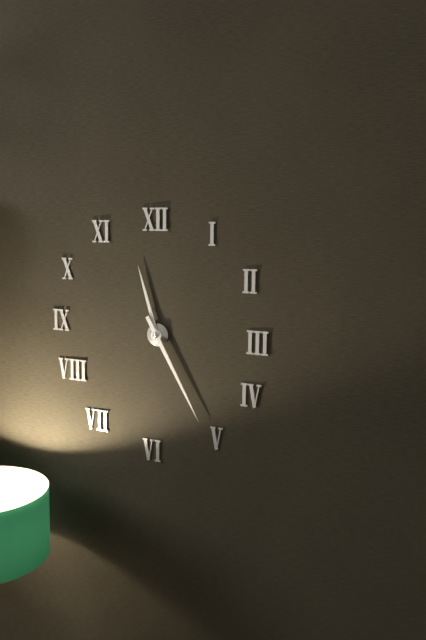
11:25
